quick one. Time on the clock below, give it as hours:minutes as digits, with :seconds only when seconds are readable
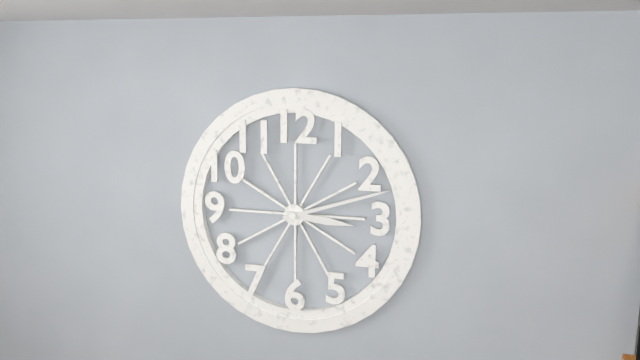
3:12
